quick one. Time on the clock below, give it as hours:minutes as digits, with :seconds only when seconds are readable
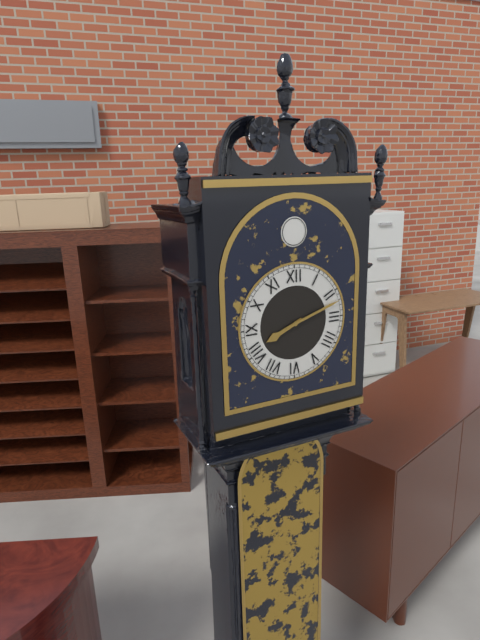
8:12
